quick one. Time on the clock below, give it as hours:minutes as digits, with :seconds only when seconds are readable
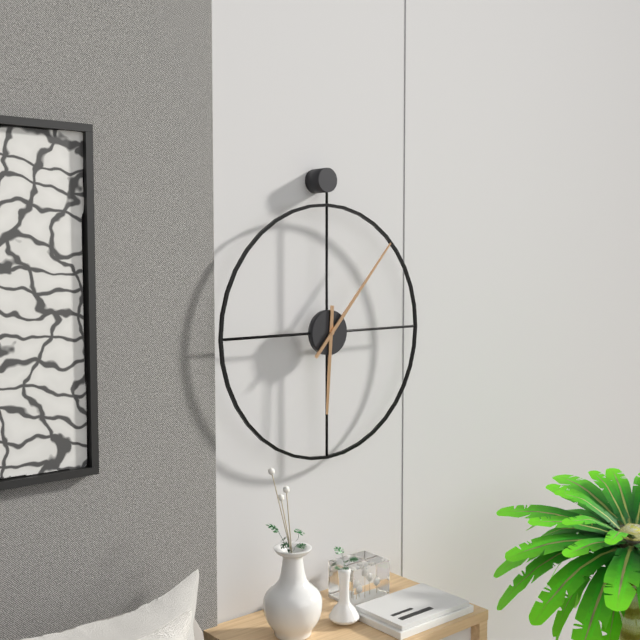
6:07
